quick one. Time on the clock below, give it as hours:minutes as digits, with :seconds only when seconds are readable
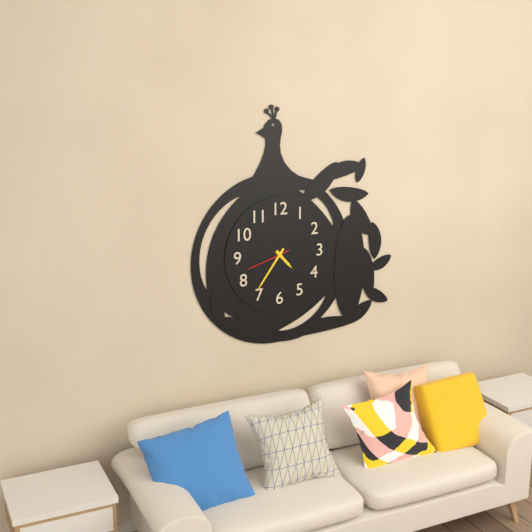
4:36
